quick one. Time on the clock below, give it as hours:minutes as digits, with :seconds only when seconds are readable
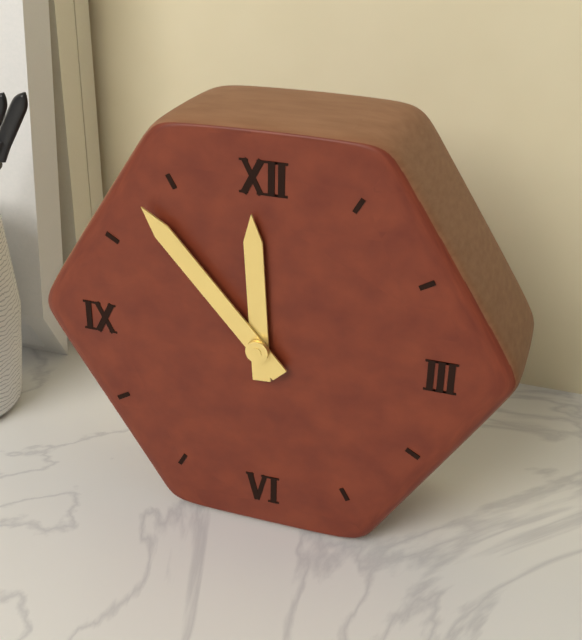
11:53
